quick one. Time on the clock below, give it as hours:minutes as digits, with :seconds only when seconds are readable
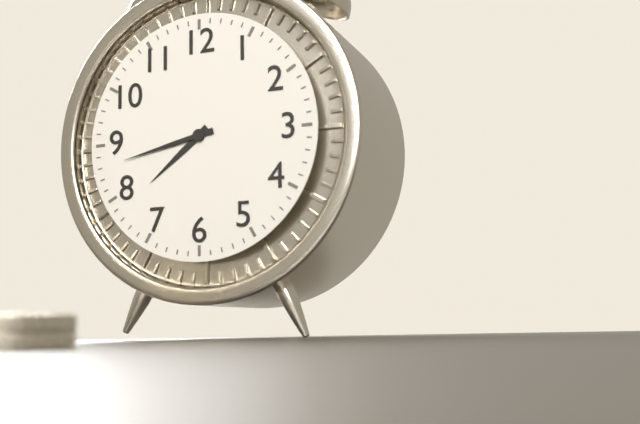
7:43
